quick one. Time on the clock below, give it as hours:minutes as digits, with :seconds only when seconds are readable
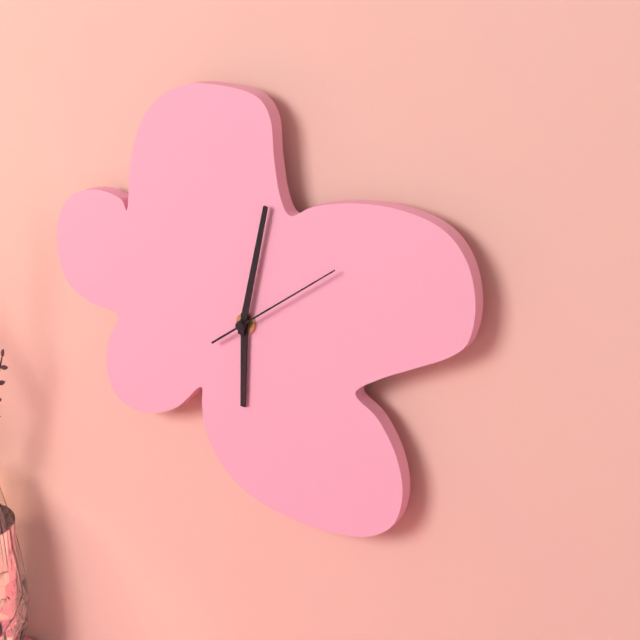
6:02:09
